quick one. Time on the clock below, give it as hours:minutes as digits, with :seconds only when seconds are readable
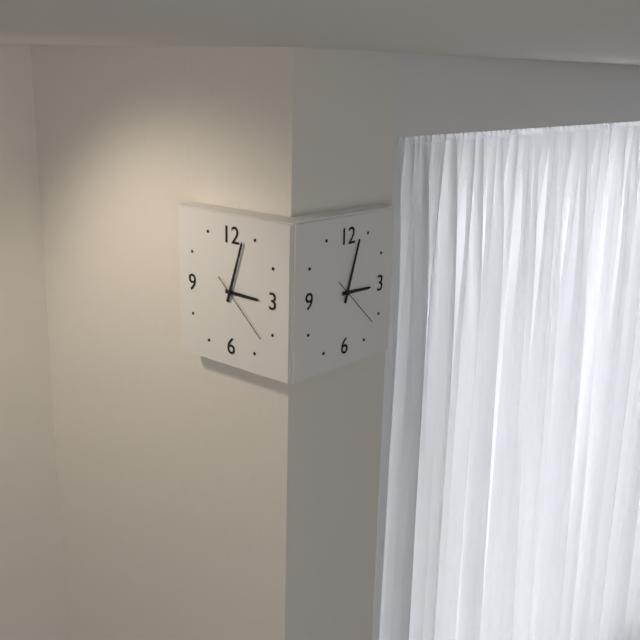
3:03:22
